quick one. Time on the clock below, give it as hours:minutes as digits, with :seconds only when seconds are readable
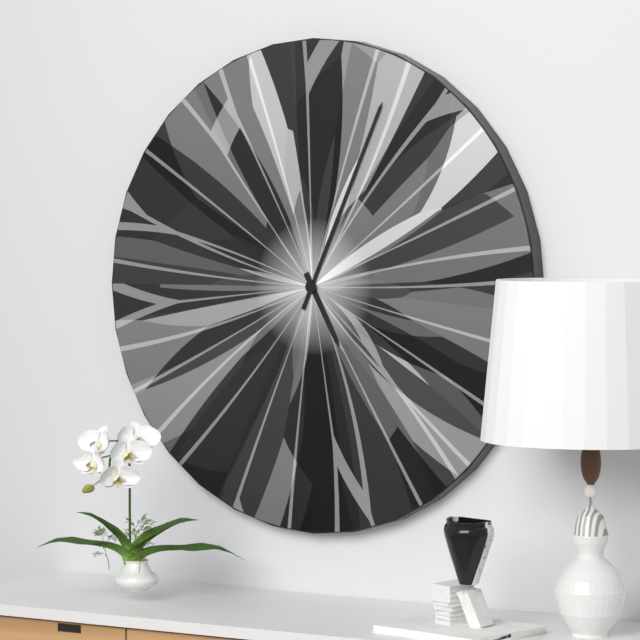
5:04
